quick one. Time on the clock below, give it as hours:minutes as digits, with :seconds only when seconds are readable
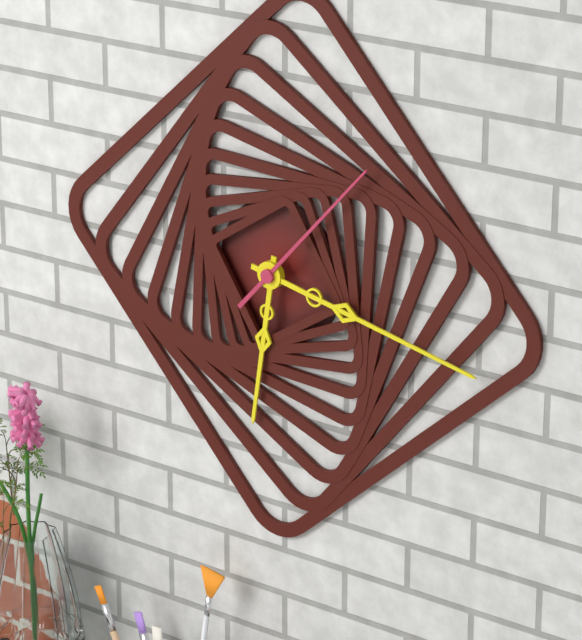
6:17:07
